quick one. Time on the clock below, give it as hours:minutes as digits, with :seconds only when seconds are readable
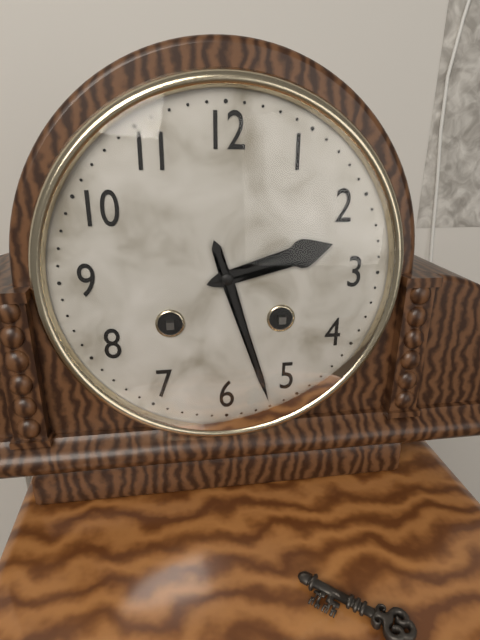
2:27
